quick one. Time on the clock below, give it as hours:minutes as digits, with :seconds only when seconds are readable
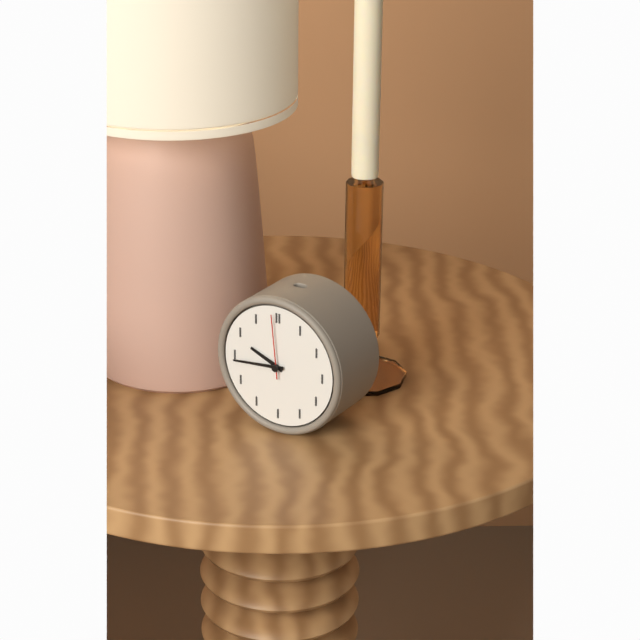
9:44:59
